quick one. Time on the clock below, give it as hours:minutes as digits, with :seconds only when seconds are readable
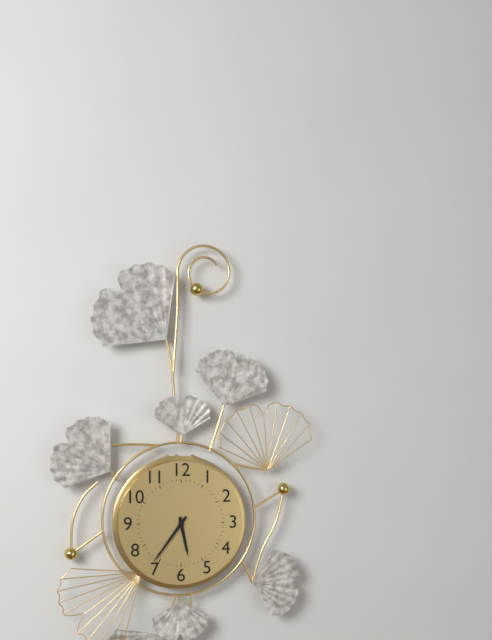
5:36
